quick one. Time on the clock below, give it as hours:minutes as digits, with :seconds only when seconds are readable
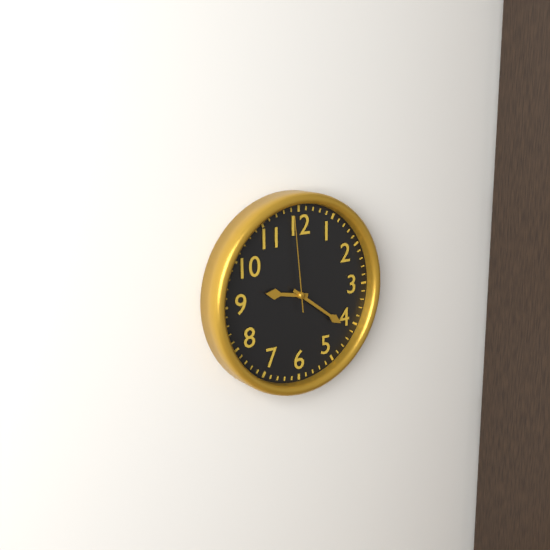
9:21:59
